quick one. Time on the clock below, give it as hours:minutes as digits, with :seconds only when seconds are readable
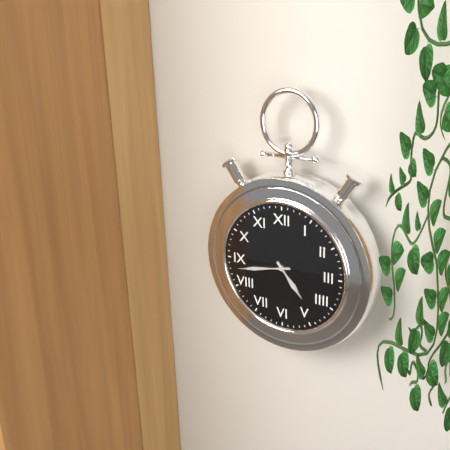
4:43
